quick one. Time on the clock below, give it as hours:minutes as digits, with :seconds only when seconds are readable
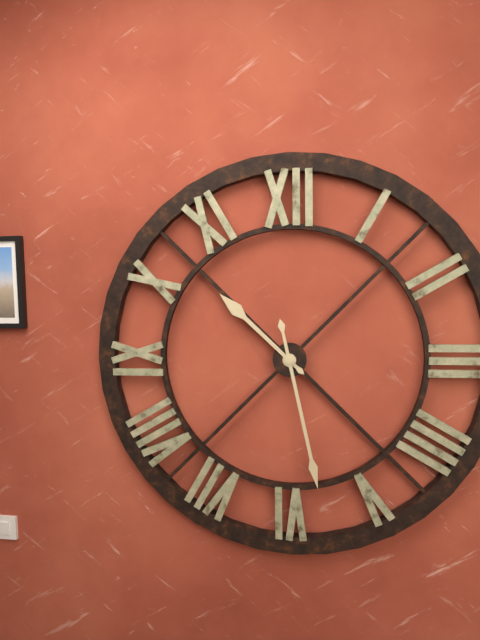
10:28
